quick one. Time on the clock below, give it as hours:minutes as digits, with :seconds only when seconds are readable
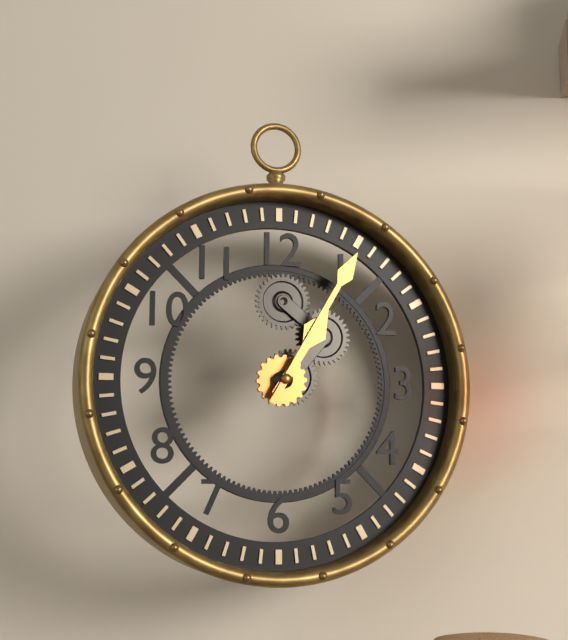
1:05
